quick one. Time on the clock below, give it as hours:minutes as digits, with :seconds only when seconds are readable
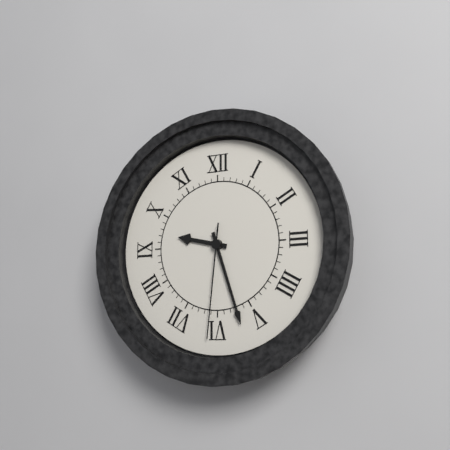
9:27:31
